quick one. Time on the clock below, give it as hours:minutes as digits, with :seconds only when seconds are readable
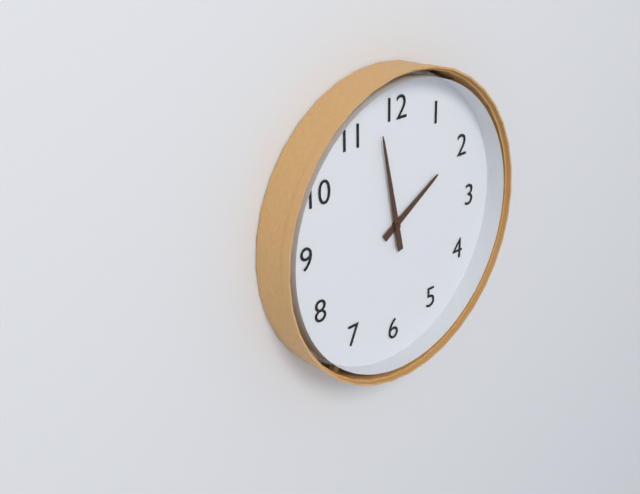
1:58
